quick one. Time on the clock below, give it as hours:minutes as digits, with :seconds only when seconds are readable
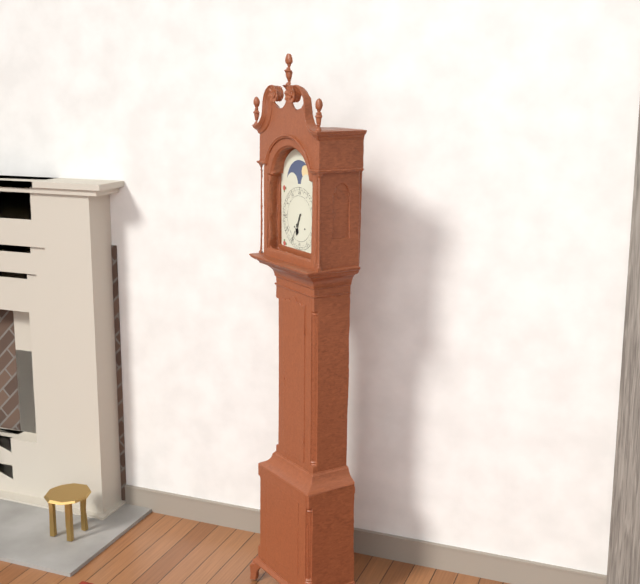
6:35
